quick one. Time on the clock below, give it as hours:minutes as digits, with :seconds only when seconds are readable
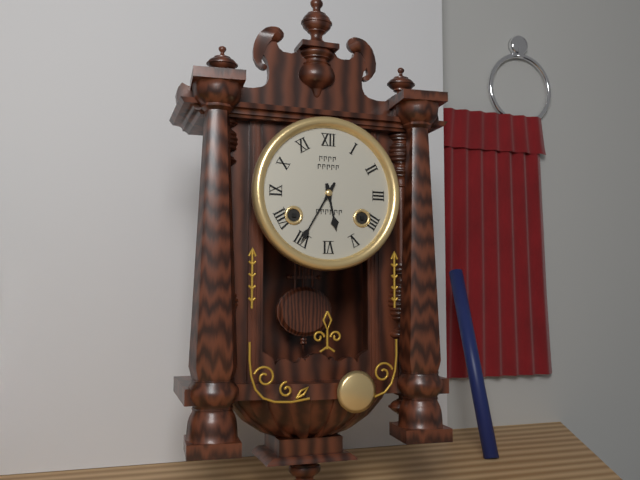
5:35
